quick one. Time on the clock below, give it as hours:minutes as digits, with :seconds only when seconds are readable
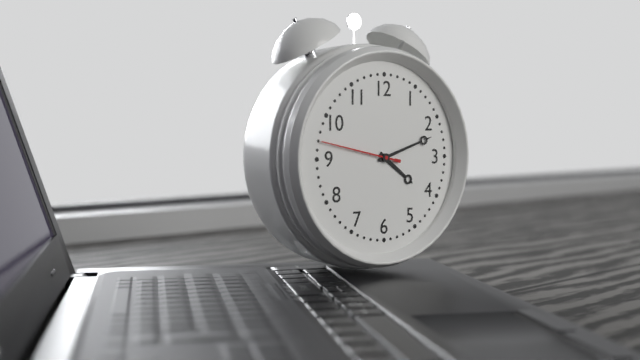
4:12:47
